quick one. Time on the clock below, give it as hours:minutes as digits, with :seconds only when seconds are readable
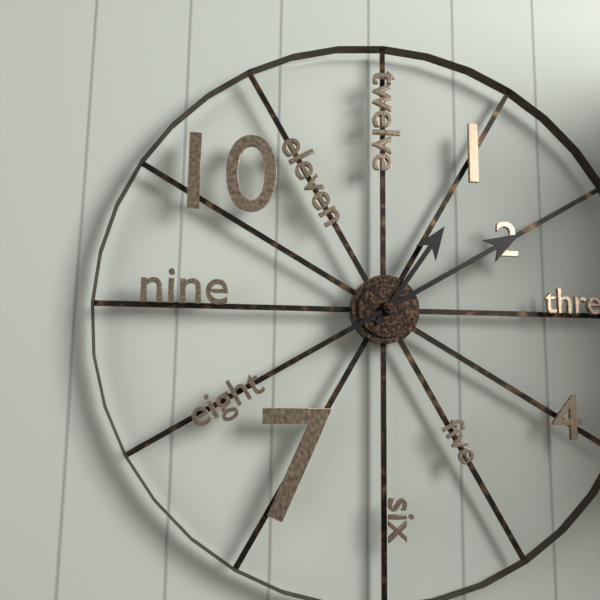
1:10
